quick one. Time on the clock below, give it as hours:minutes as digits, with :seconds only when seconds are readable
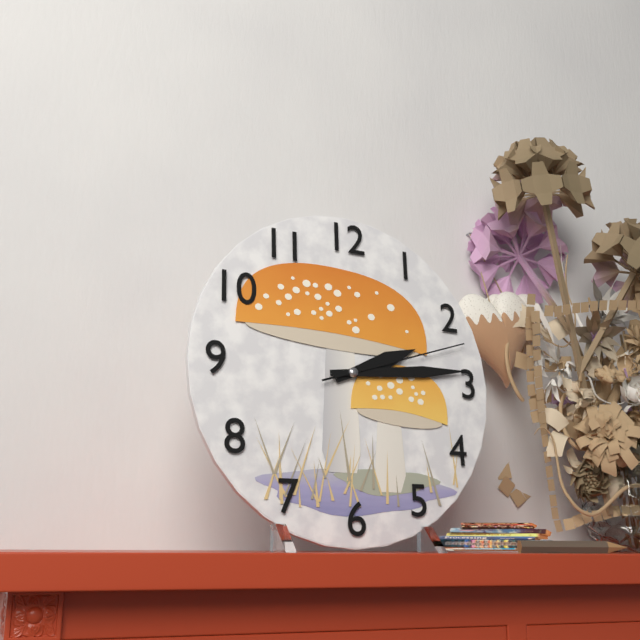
2:14:12
